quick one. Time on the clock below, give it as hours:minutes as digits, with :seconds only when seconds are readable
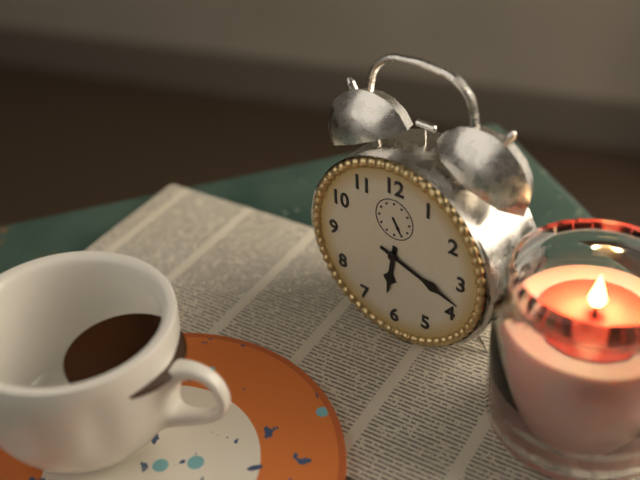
6:18
